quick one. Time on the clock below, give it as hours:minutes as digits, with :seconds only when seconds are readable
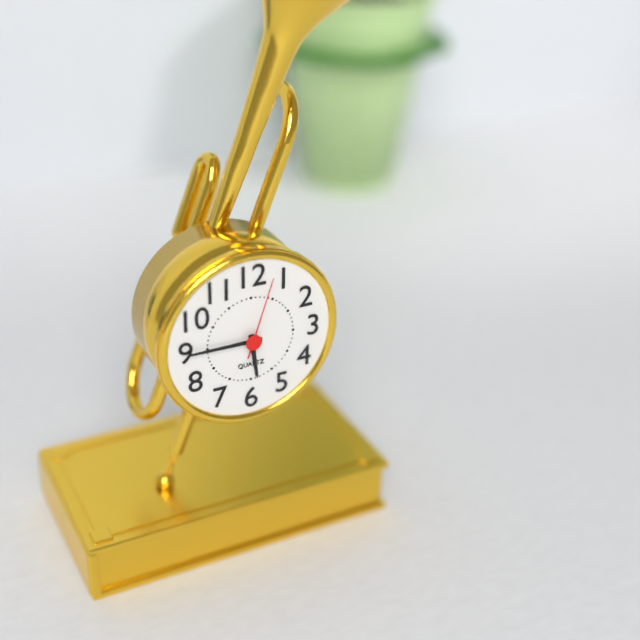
5:45:03
